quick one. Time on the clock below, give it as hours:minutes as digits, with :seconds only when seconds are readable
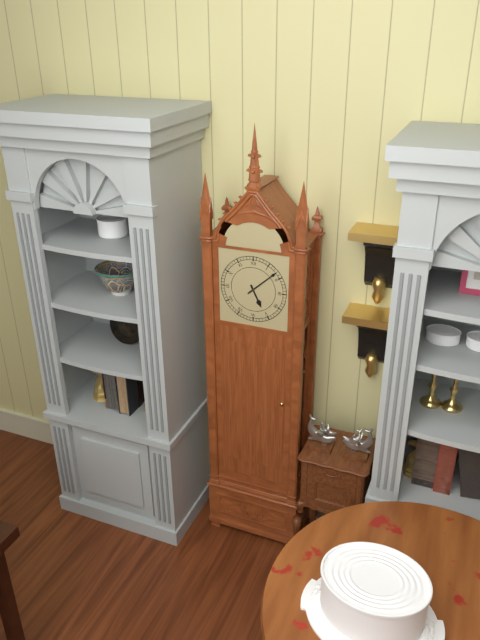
5:08
